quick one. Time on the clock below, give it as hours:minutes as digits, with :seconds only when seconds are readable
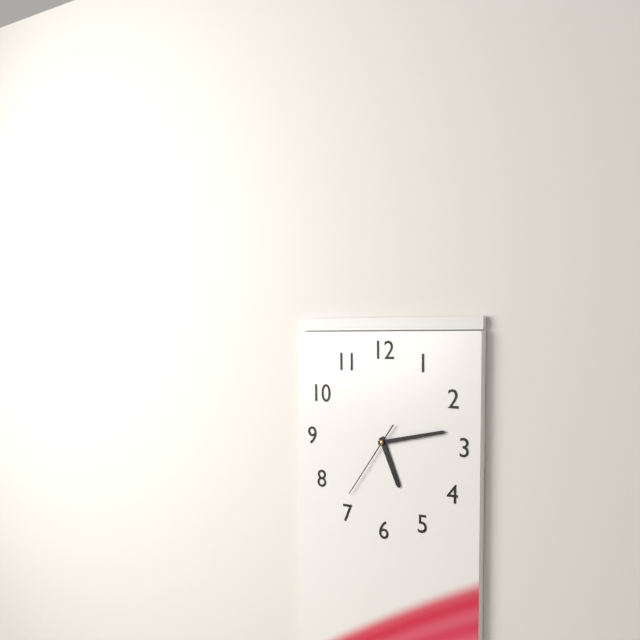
5:13:36
